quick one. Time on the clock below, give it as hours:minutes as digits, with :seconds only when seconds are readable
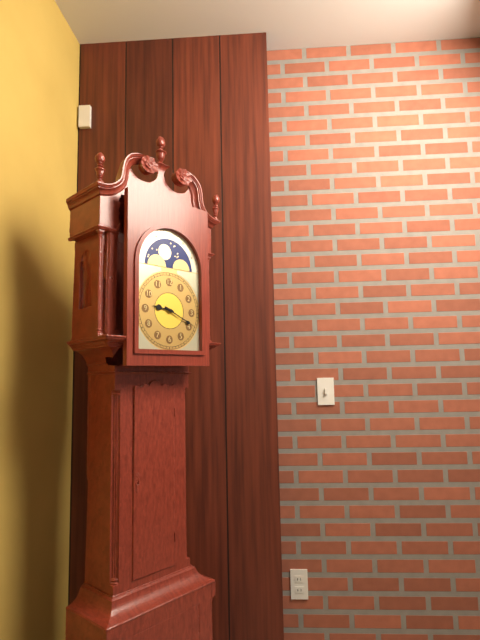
9:19
